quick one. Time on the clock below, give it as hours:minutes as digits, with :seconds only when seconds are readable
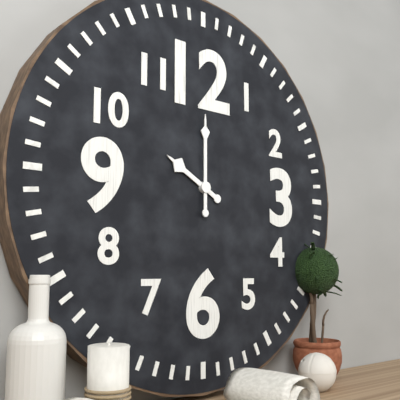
10:00
